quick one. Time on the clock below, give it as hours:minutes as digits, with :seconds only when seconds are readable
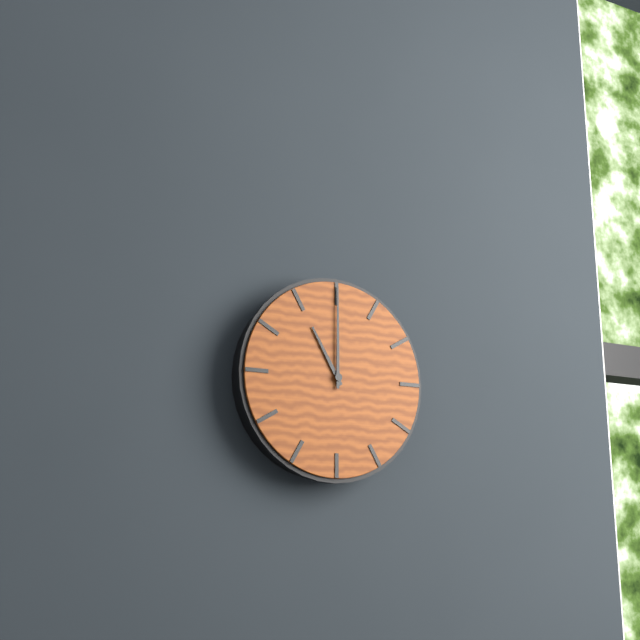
11:00
